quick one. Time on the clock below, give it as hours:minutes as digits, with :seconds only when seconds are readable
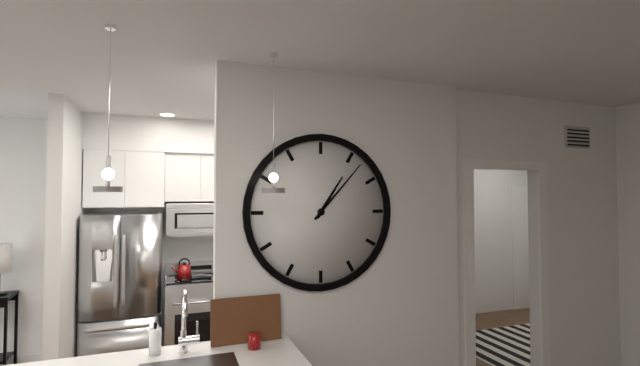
1:07
